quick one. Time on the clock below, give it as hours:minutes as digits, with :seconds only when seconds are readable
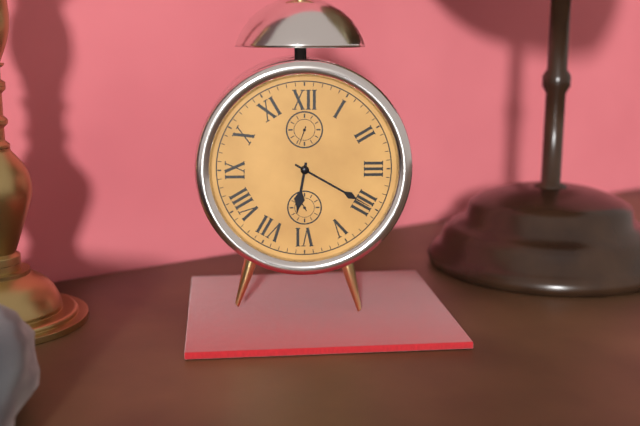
6:20
